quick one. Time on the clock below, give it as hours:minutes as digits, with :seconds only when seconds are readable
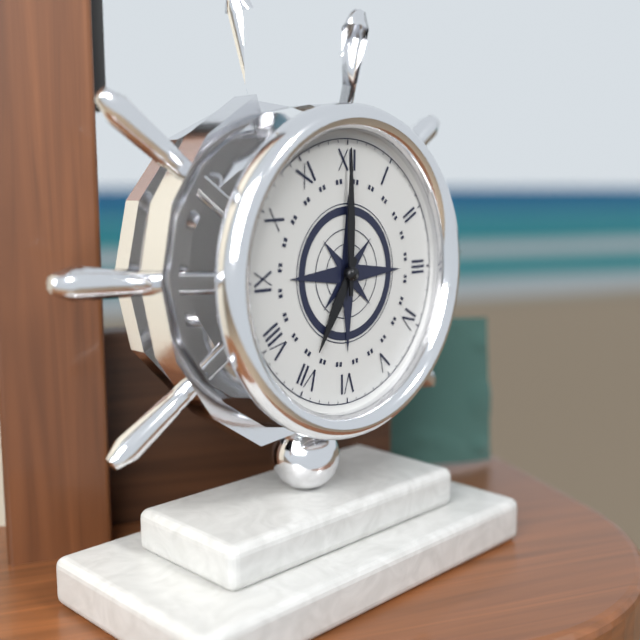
7:00
